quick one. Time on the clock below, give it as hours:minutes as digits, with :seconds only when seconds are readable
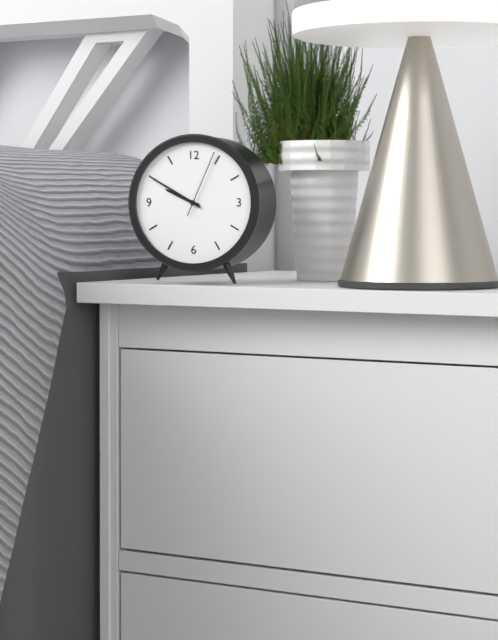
9:50:04
